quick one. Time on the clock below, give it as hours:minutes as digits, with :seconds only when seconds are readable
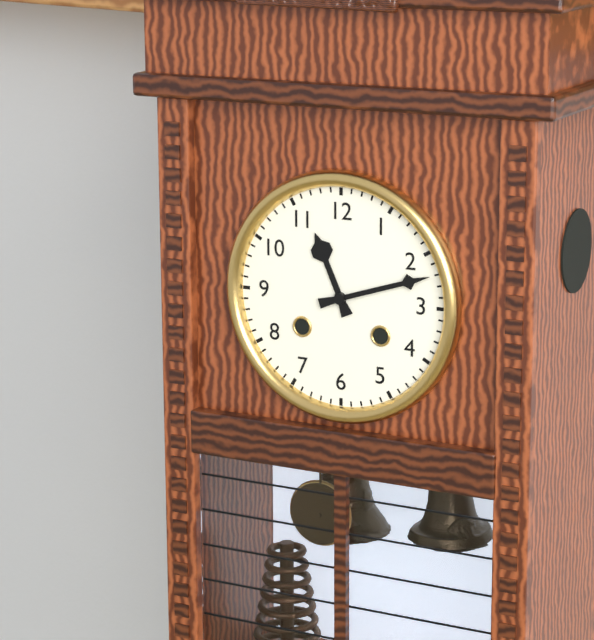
11:12
